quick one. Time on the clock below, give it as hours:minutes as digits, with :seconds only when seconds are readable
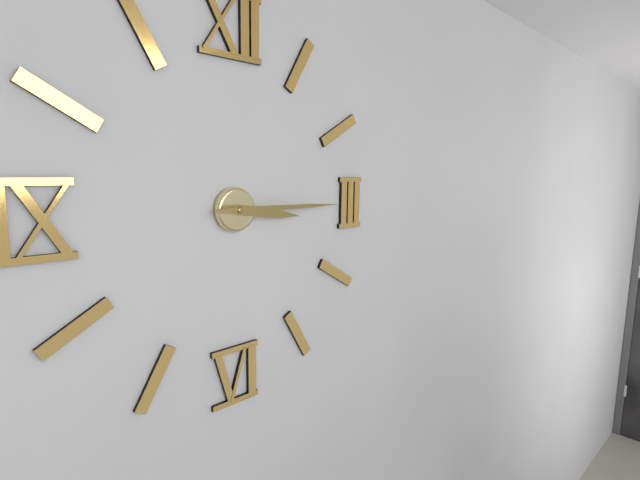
3:15
